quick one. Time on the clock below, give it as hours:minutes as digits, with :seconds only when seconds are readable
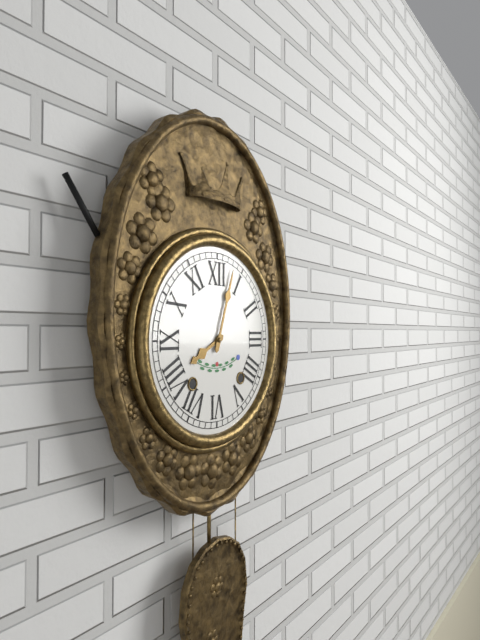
8:03
